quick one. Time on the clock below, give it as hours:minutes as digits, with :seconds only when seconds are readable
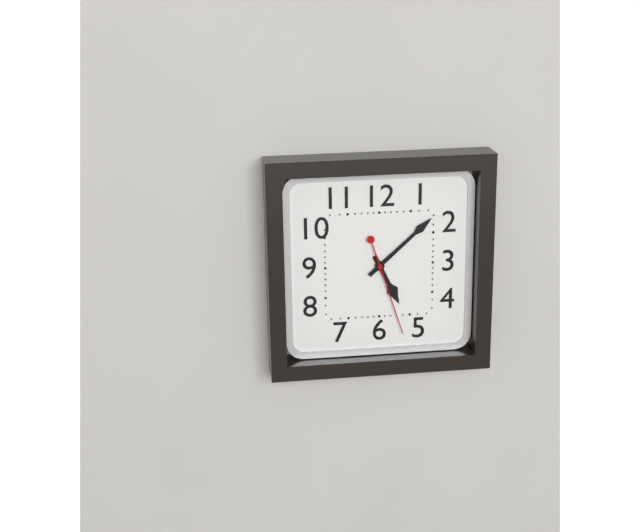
5:08:27
